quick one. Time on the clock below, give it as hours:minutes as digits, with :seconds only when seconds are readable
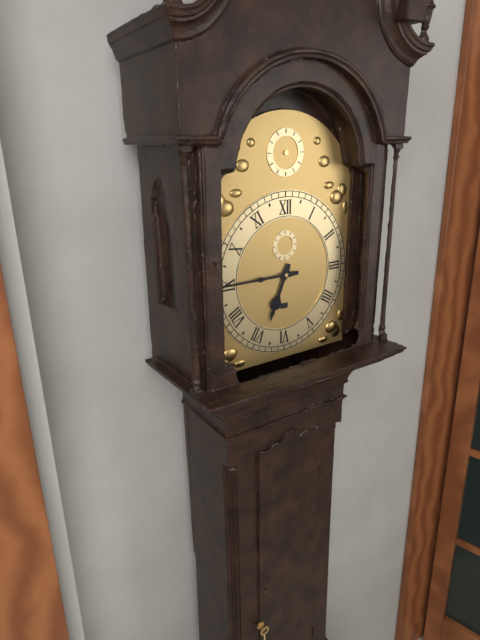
6:45
